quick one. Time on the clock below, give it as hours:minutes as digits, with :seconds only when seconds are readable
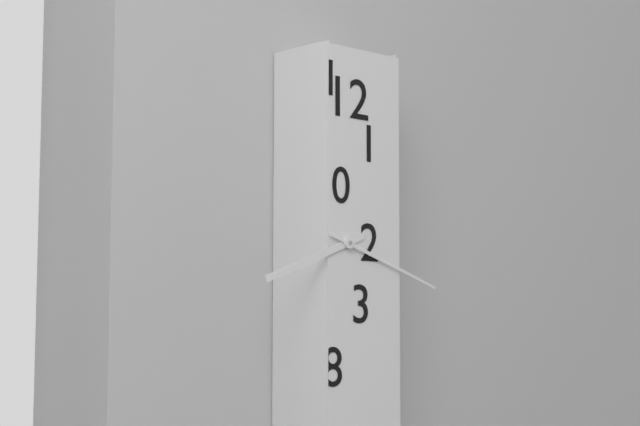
8:18
